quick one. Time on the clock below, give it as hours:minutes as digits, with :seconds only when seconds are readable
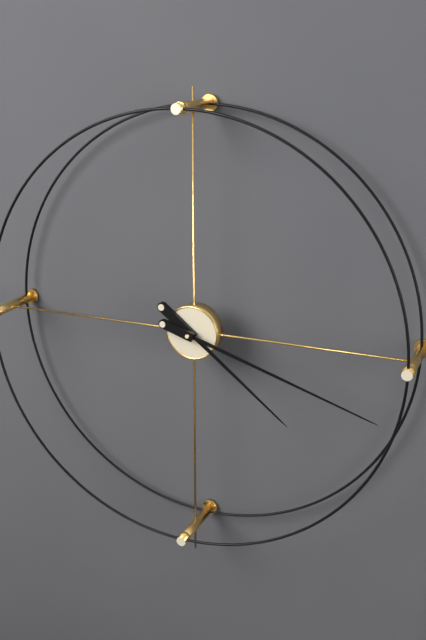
4:18
